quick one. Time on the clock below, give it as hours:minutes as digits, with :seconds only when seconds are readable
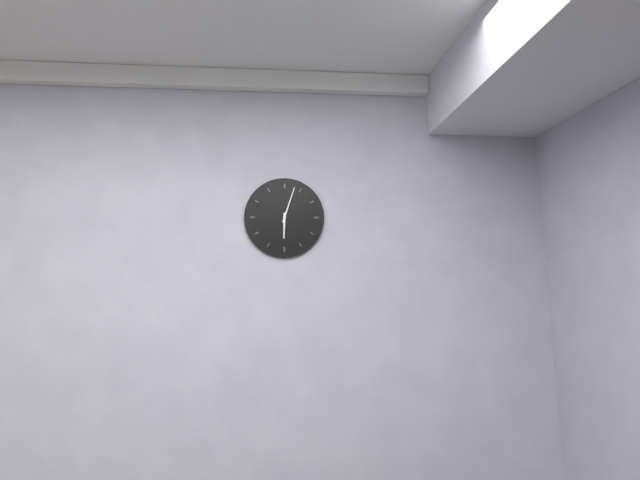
6:03
